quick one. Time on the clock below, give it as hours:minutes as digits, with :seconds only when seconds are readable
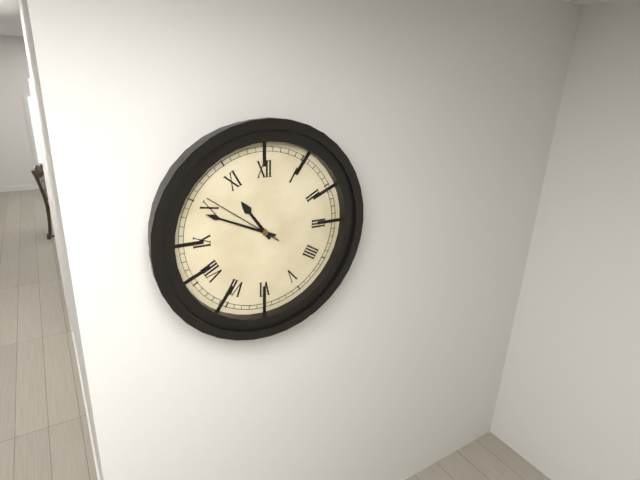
10:49:51
